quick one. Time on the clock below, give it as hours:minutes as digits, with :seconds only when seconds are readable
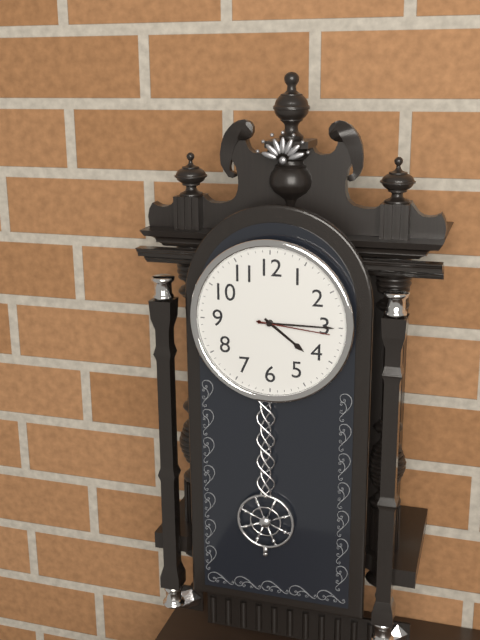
4:15:16
